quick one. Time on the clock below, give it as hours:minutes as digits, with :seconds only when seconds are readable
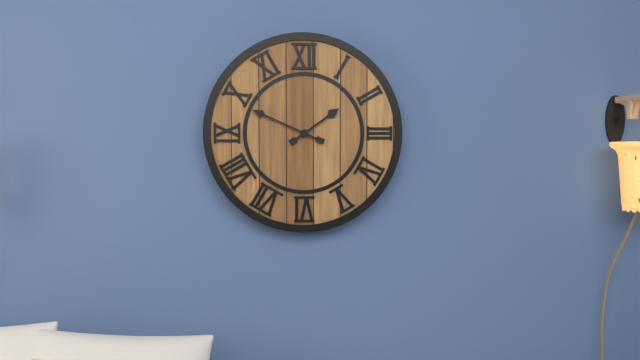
1:49
